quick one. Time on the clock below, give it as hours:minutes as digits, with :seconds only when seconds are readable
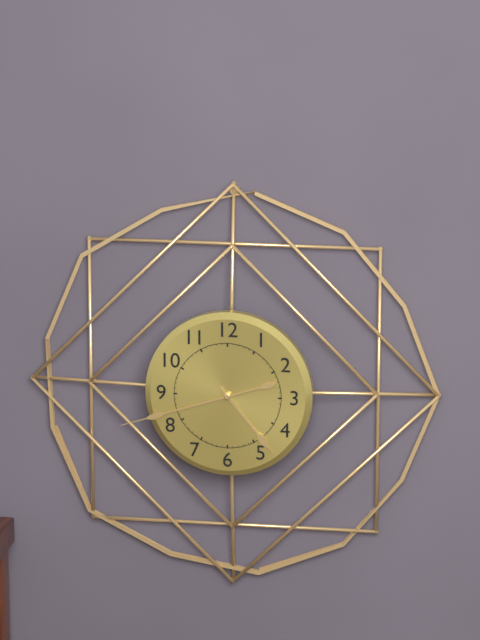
4:42
